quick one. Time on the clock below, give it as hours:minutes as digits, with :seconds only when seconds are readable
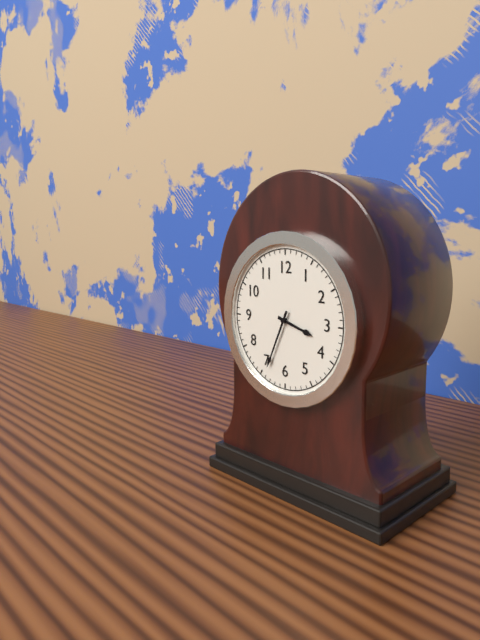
3:34
